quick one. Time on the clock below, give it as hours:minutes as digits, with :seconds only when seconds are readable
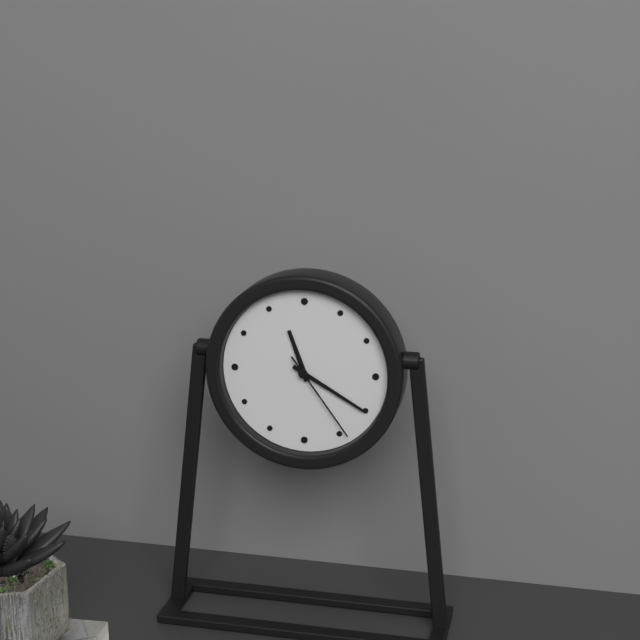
11:20:24
